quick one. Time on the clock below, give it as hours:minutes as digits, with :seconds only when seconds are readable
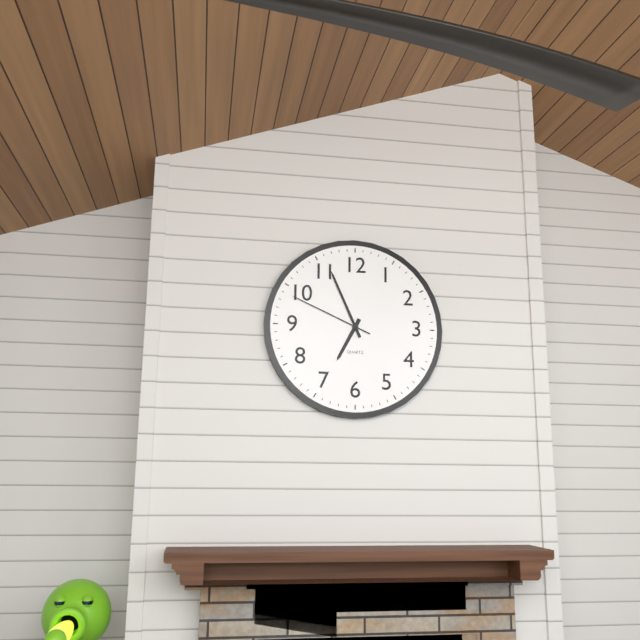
6:56:49
